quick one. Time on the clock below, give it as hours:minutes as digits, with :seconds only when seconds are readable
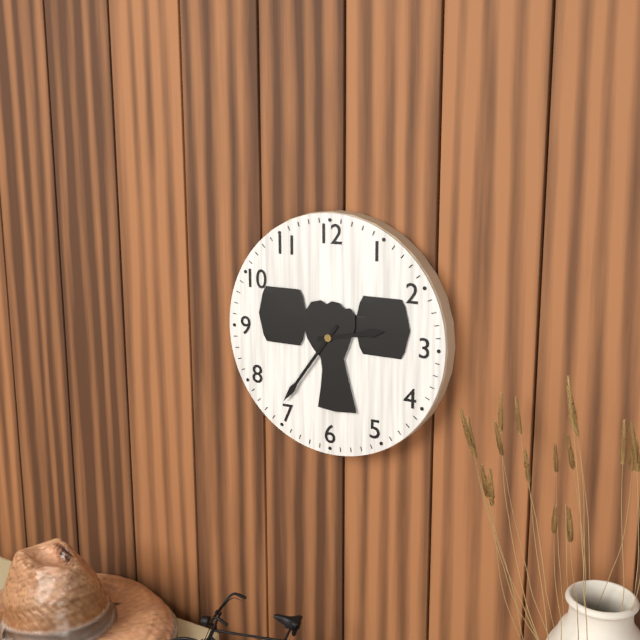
2:36
